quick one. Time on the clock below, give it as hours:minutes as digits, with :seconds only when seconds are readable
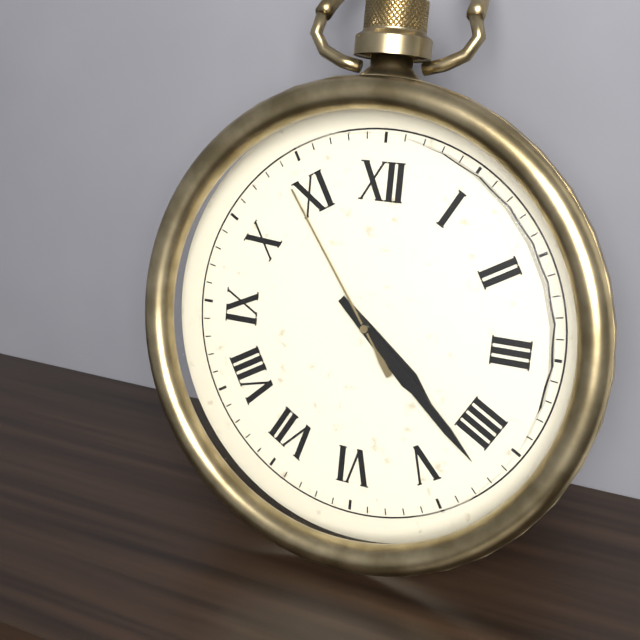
4:22:54
